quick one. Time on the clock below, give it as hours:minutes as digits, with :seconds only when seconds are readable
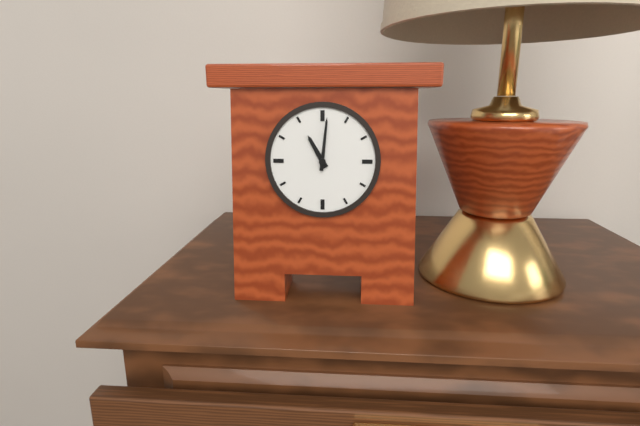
11:01
